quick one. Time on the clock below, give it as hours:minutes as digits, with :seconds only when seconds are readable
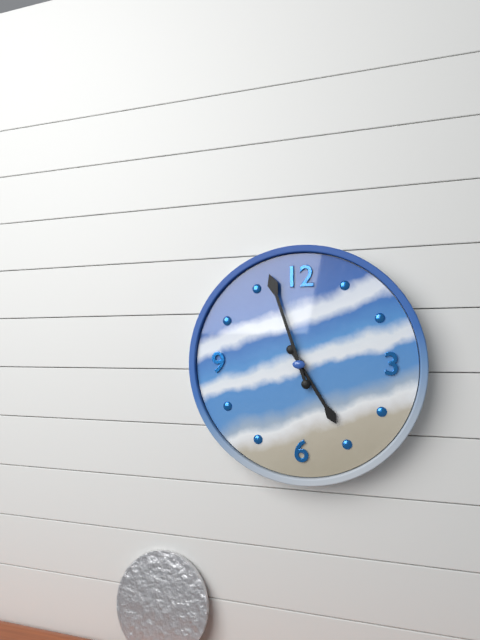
4:57
